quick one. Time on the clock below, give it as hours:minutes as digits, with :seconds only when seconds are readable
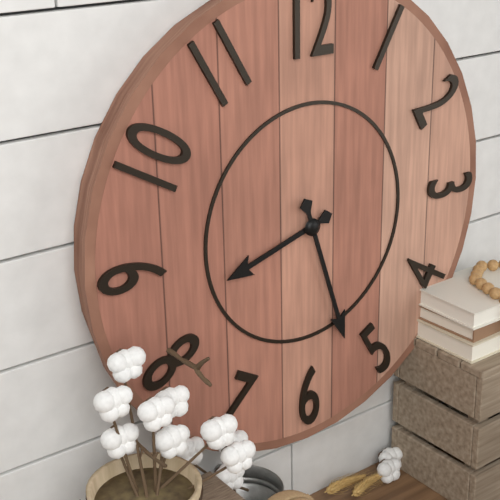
8:27
